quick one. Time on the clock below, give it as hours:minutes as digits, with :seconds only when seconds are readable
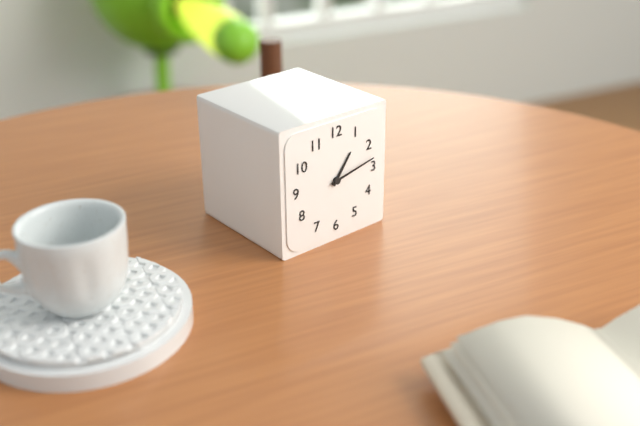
1:13
